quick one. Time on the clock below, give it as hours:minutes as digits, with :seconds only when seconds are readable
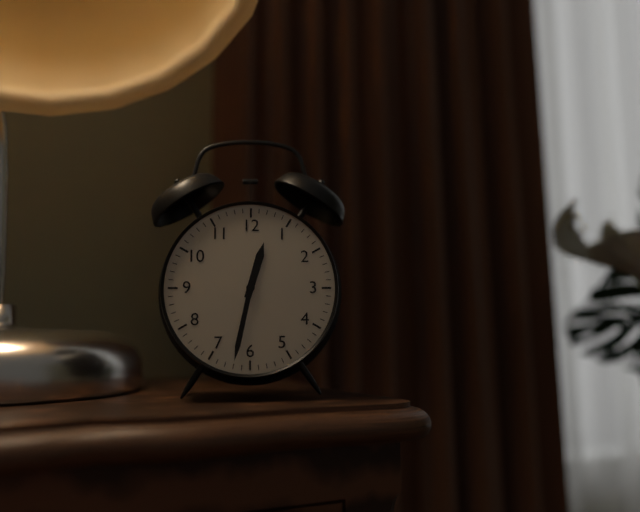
12:32
